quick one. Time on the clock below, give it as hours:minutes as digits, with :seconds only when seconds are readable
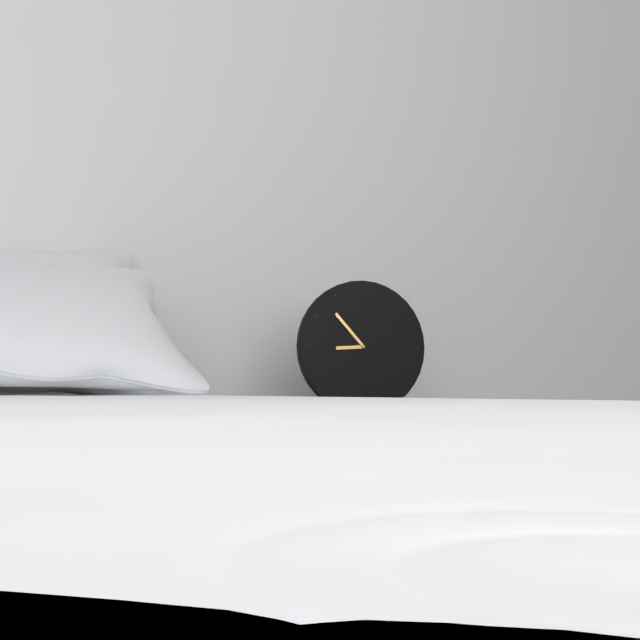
8:53
